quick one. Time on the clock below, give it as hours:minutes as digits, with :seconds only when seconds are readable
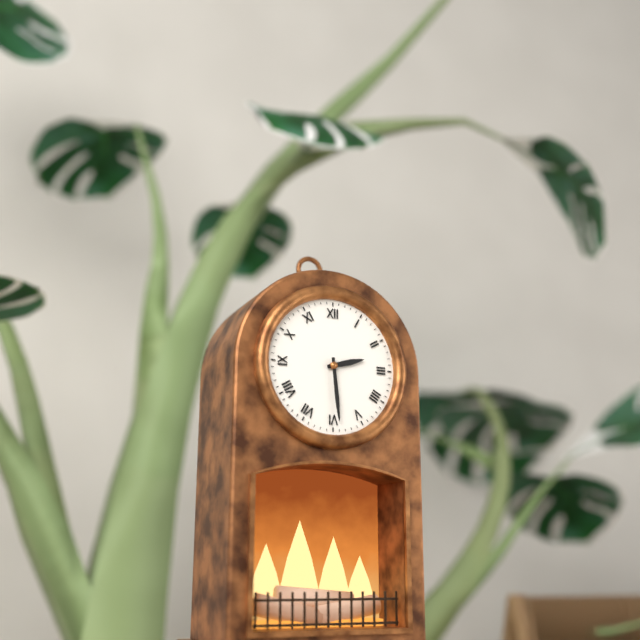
2:29
